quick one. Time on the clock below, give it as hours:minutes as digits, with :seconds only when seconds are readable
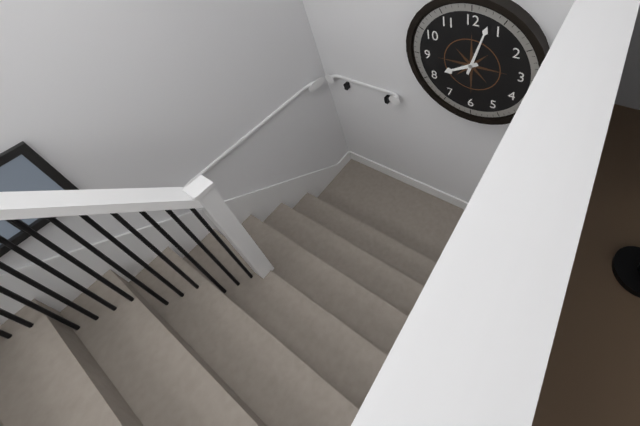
8:03
